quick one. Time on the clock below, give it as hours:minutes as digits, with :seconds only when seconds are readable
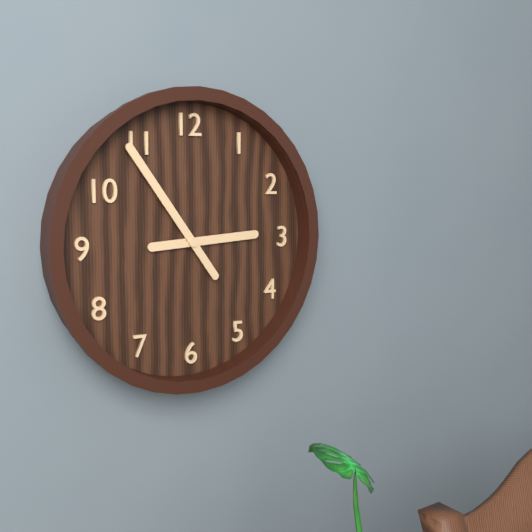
2:54
